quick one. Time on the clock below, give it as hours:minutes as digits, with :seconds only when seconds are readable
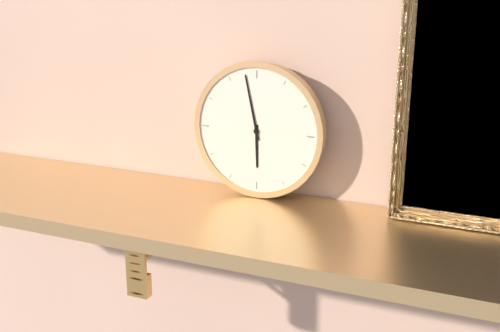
5:58
